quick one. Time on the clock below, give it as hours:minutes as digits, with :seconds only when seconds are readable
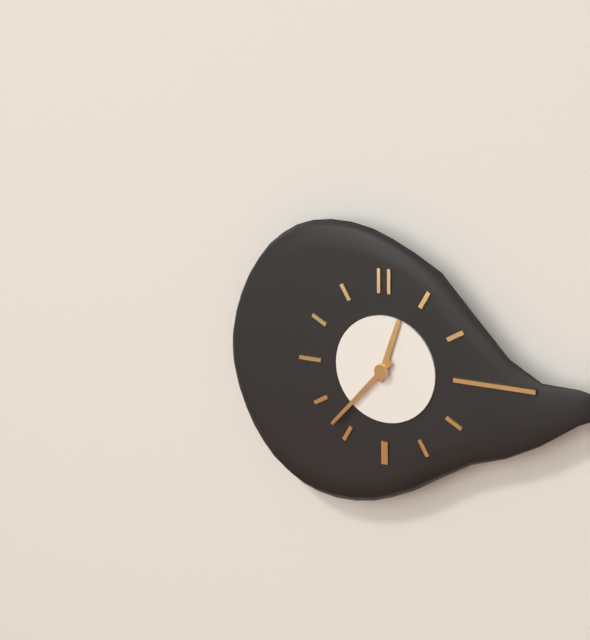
12:37
